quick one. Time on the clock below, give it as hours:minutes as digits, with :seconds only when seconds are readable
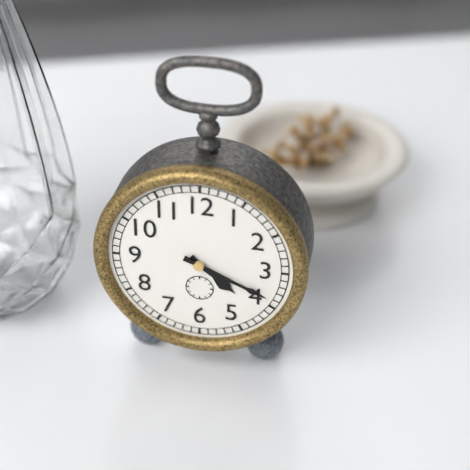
4:19
